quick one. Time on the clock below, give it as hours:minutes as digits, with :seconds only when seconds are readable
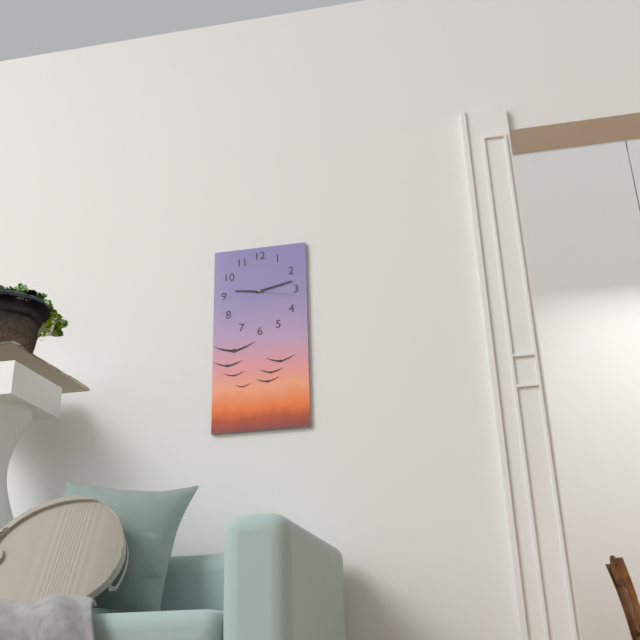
9:13
